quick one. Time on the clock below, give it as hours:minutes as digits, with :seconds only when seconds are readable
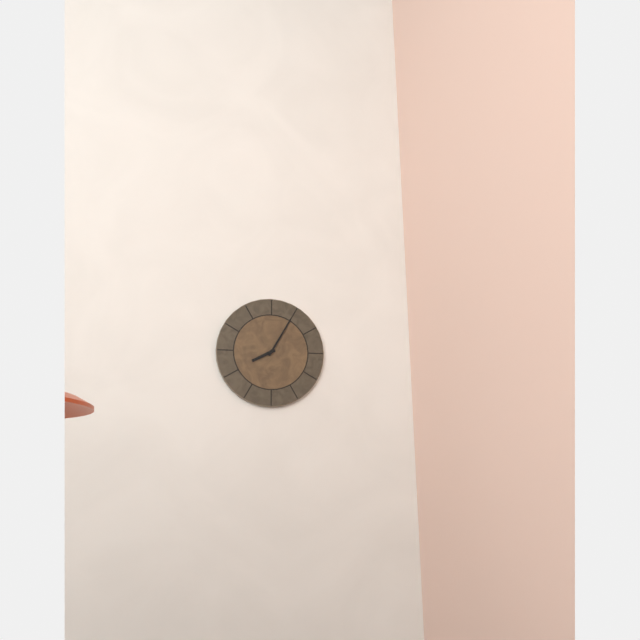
8:05
